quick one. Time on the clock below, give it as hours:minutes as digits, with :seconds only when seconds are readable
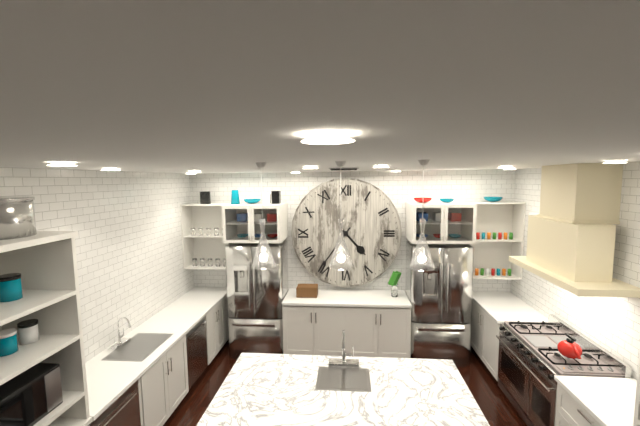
4:36
